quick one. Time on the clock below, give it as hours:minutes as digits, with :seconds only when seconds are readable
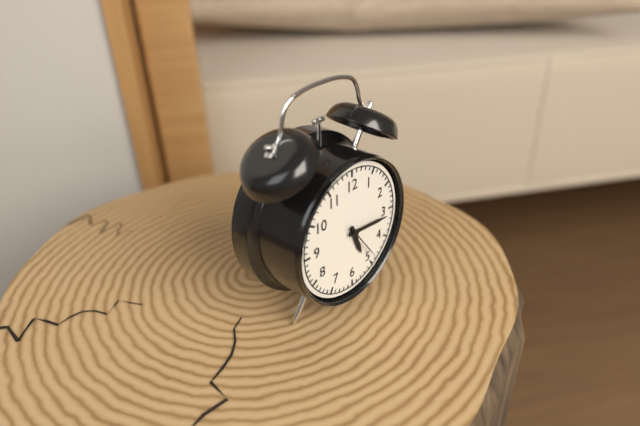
5:16
